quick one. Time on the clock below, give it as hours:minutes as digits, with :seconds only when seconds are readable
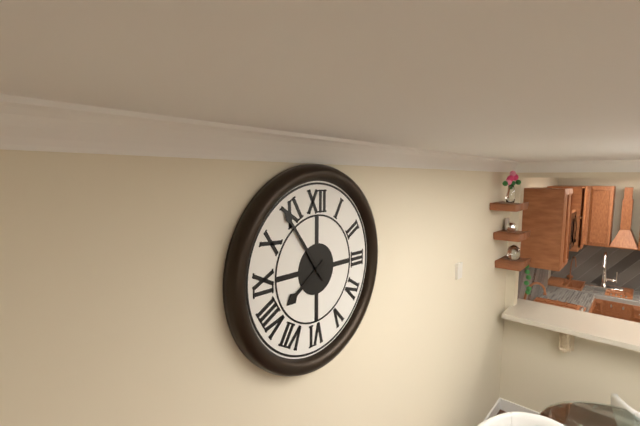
7:54
